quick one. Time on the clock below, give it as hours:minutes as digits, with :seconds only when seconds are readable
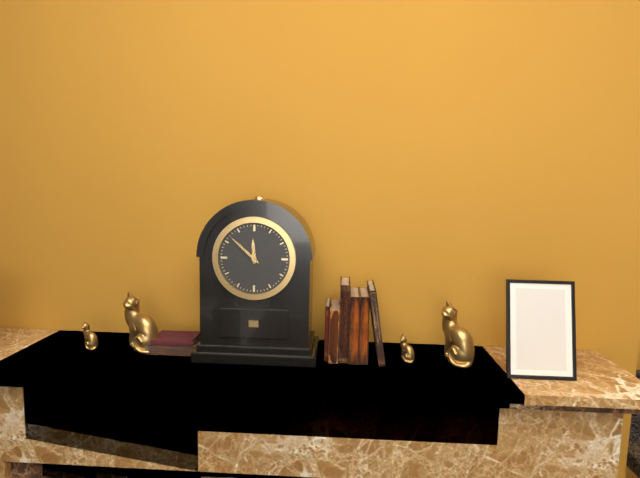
11:52
